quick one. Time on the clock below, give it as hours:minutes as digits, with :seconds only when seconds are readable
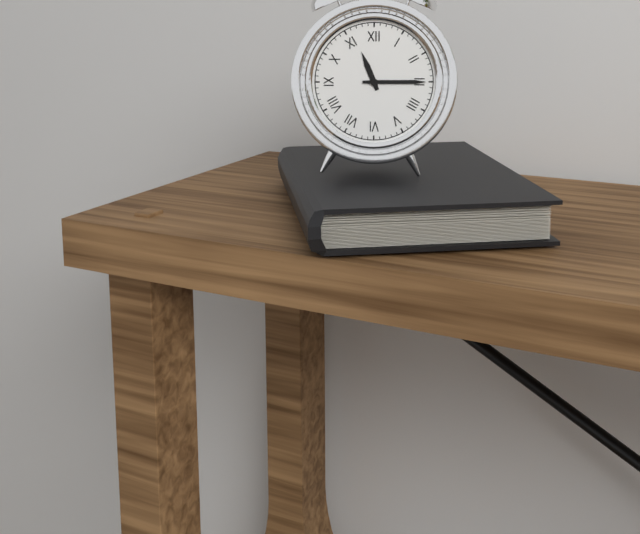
11:15
